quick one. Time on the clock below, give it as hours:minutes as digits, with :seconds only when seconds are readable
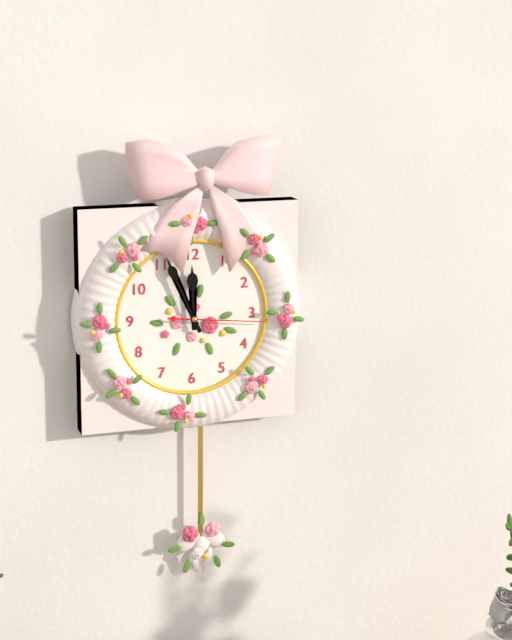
11:56:16
